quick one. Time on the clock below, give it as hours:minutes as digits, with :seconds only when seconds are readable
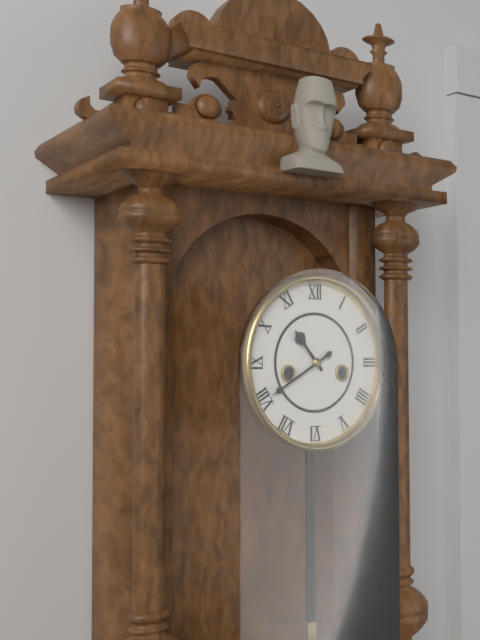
10:40
